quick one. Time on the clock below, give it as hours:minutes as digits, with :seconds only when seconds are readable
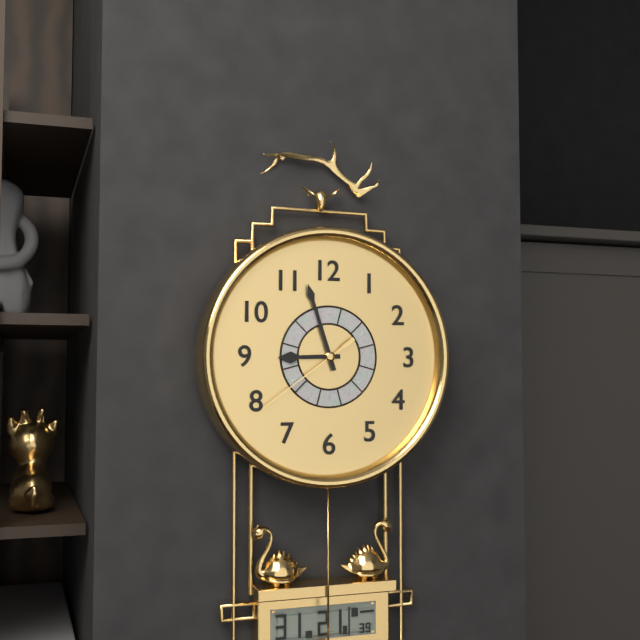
8:57:39
